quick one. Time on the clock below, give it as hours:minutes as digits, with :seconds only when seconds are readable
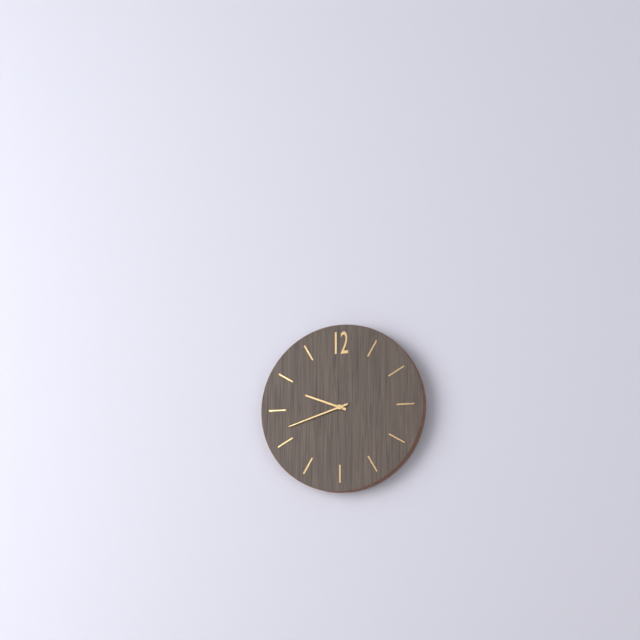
9:42
